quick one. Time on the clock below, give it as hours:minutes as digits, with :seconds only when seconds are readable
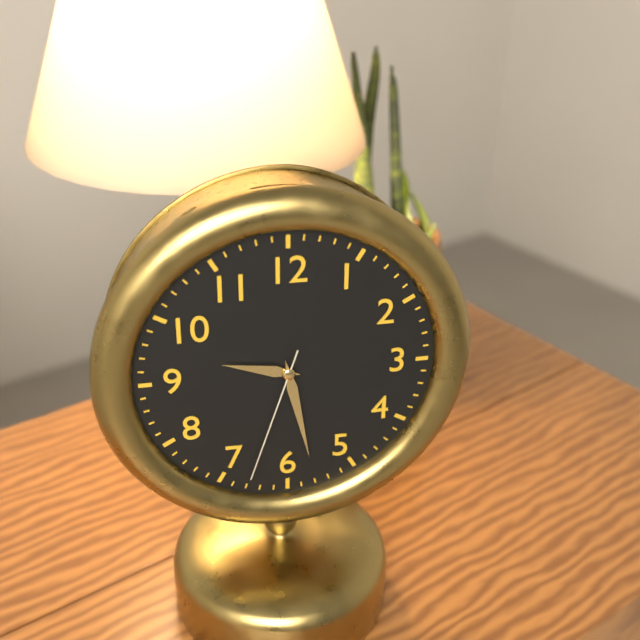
9:28:33
